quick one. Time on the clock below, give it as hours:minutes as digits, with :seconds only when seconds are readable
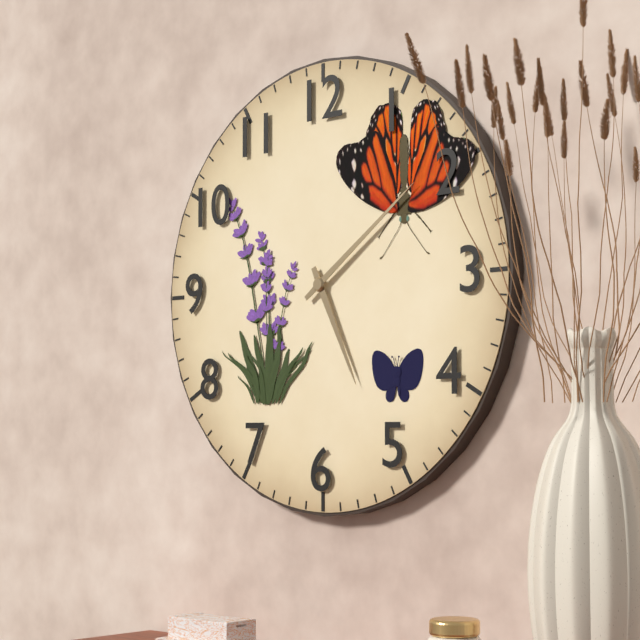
5:09
